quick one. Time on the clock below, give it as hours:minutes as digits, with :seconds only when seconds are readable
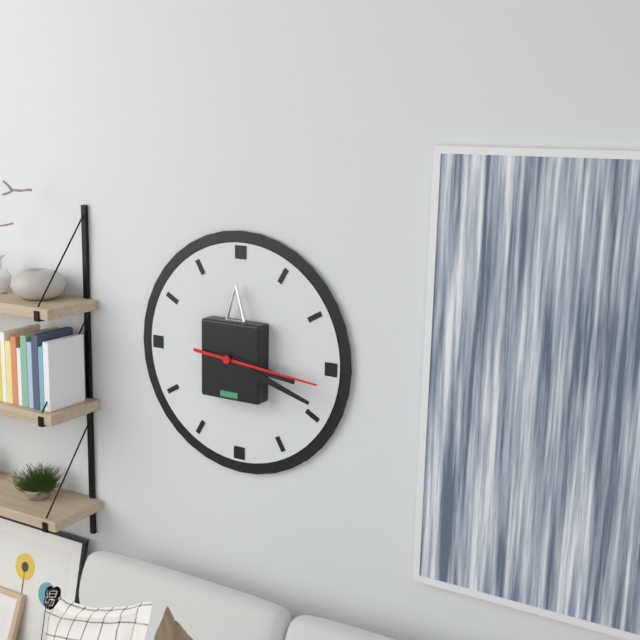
3:18:16
